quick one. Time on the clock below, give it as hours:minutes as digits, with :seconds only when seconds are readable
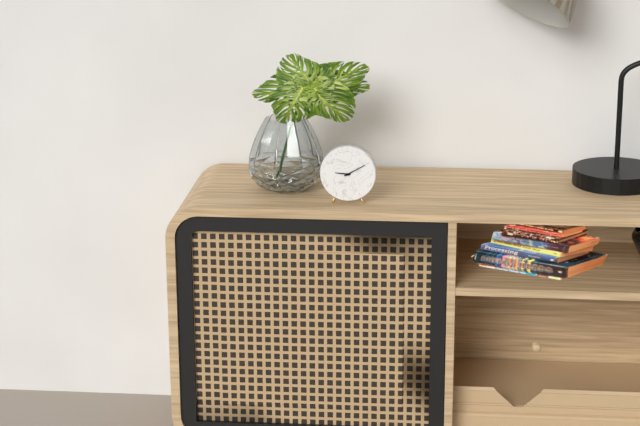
9:10
